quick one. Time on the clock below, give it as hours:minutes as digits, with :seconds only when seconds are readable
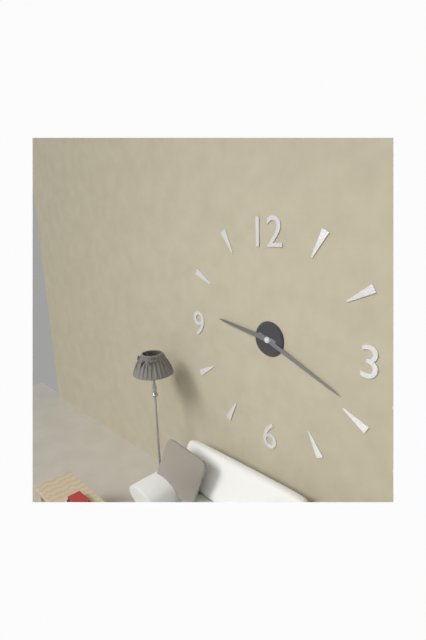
9:19
